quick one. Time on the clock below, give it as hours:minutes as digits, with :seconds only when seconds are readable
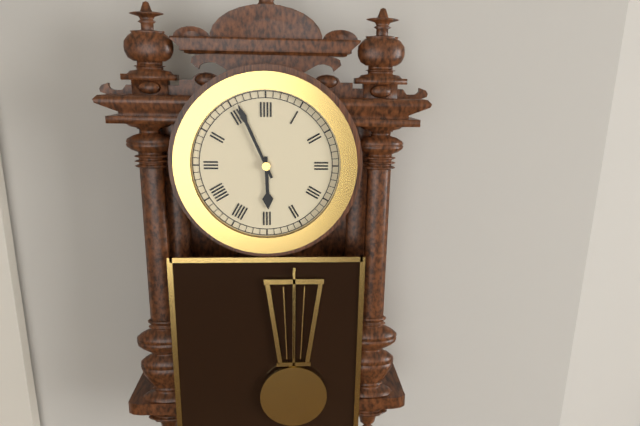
5:56
